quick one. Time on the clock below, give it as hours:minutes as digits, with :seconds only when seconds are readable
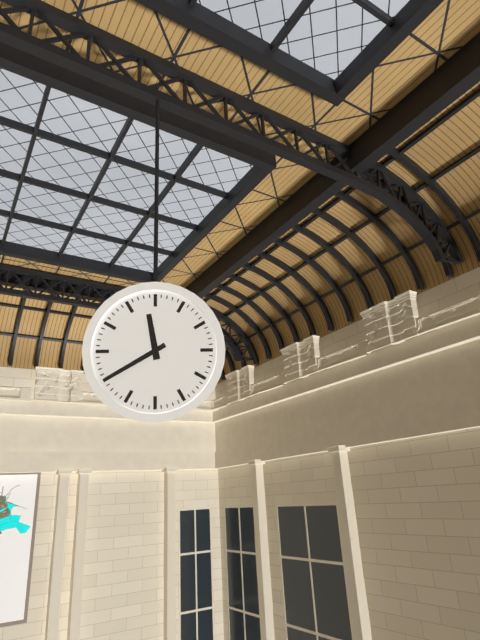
11:40
